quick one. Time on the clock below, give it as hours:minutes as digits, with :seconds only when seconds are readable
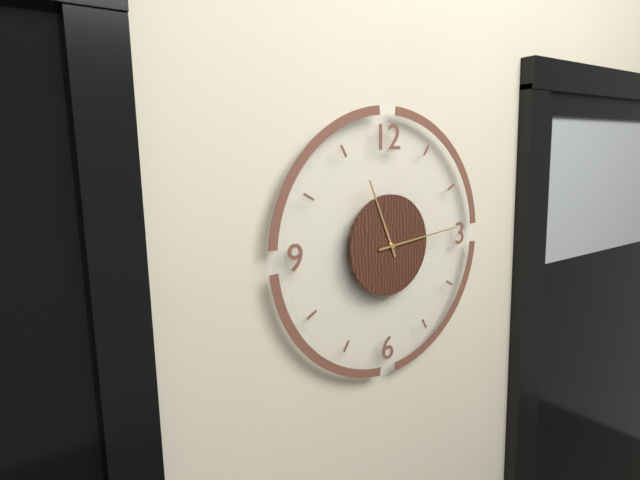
11:14
